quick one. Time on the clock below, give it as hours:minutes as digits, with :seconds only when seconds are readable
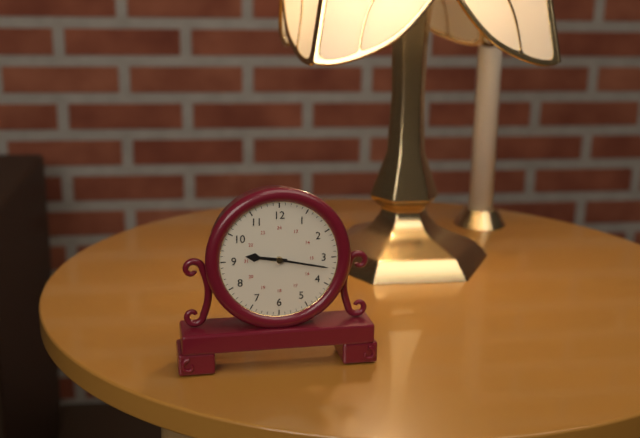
9:17
